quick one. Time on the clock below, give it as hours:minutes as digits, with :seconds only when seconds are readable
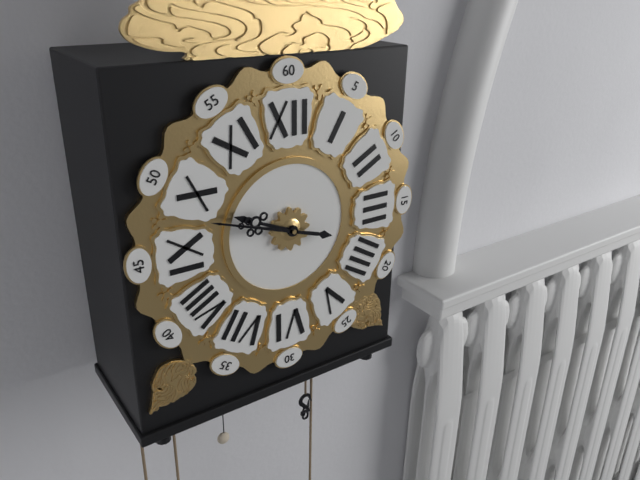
9:48
